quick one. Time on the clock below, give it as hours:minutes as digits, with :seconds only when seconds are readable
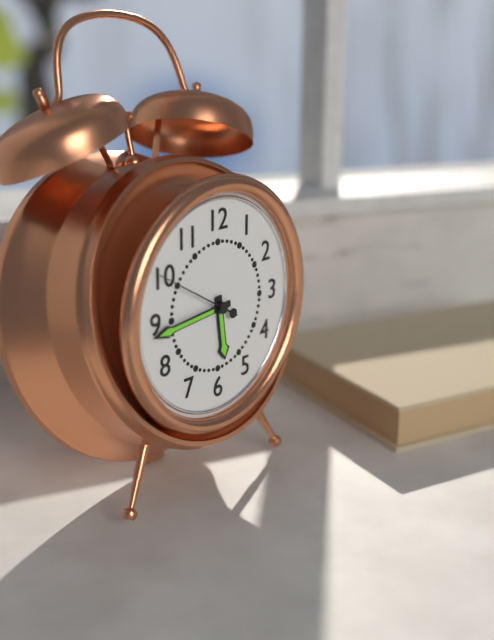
5:44:50
